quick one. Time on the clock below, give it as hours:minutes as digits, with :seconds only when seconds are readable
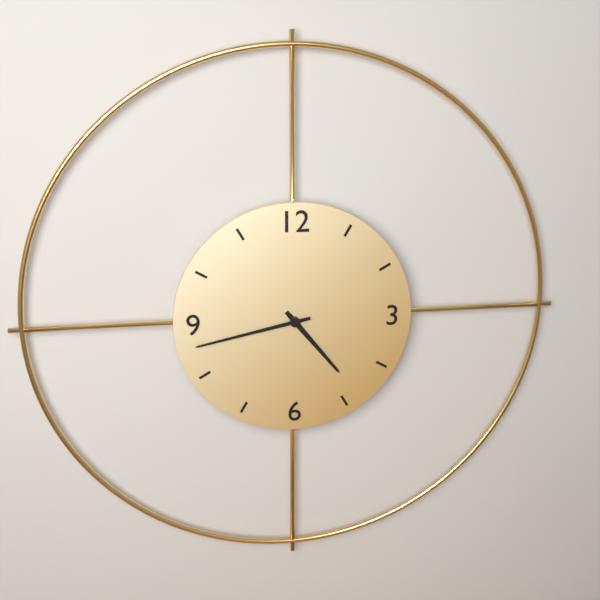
4:43
